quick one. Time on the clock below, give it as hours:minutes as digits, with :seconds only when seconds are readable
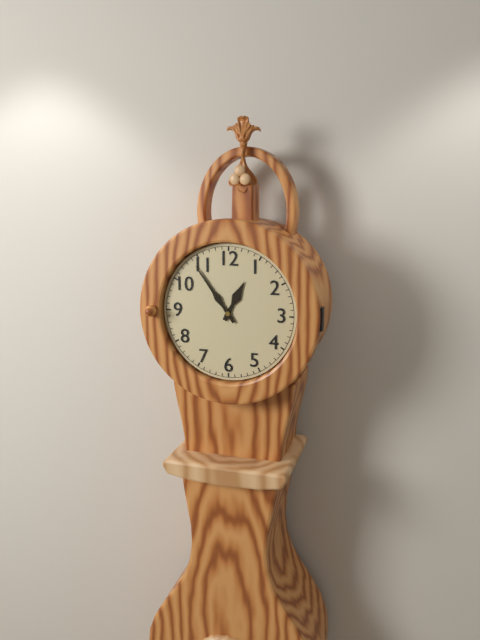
12:54
